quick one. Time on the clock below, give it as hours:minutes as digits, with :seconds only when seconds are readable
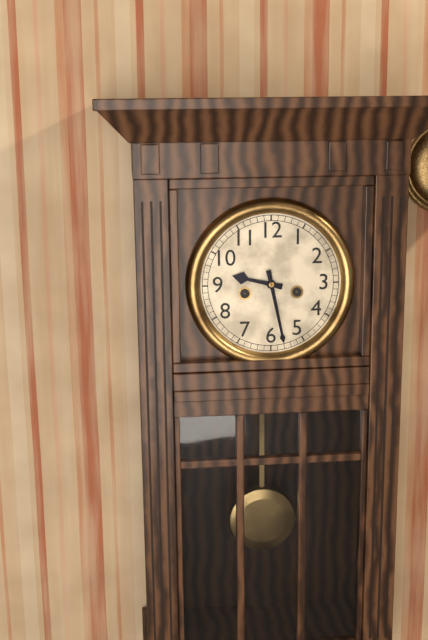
9:28
